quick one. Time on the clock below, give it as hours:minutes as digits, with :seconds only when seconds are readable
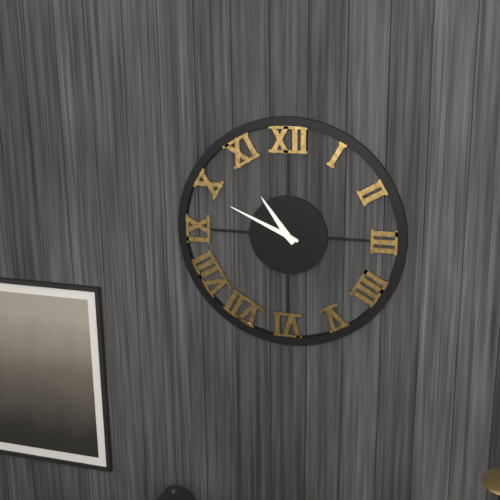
10:49
